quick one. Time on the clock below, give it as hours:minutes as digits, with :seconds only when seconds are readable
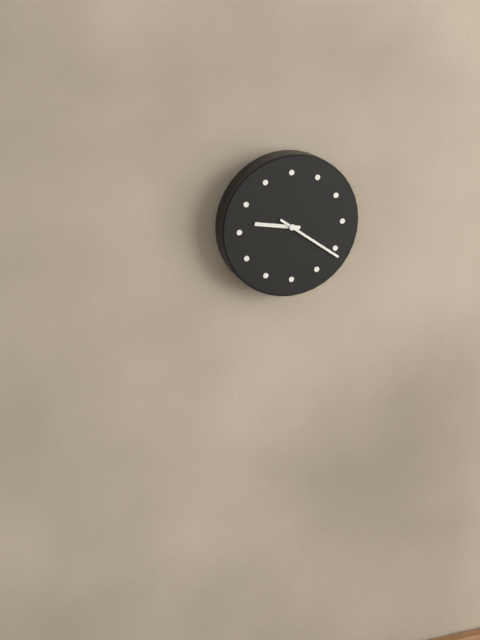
9:21
